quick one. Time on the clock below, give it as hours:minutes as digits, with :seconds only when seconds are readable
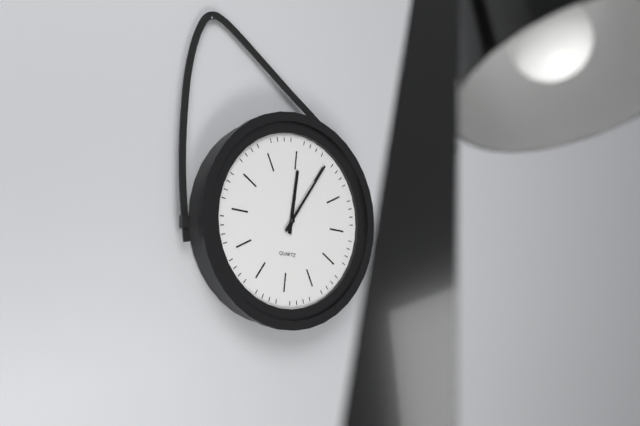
12:05
